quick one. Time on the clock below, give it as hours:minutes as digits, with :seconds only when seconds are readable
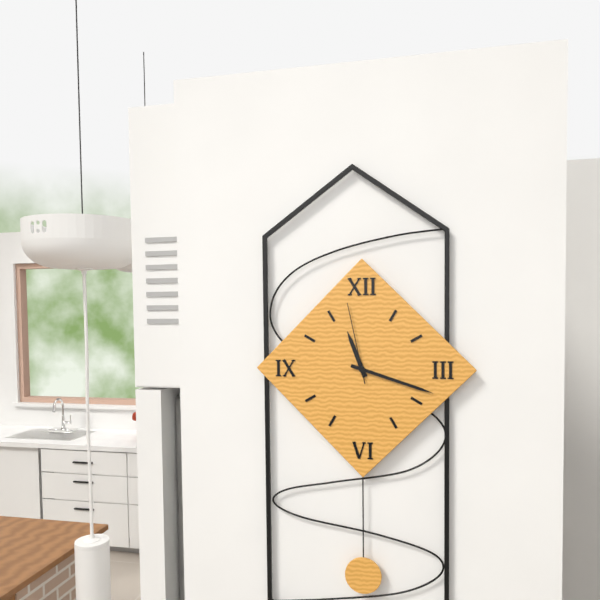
11:18:58
